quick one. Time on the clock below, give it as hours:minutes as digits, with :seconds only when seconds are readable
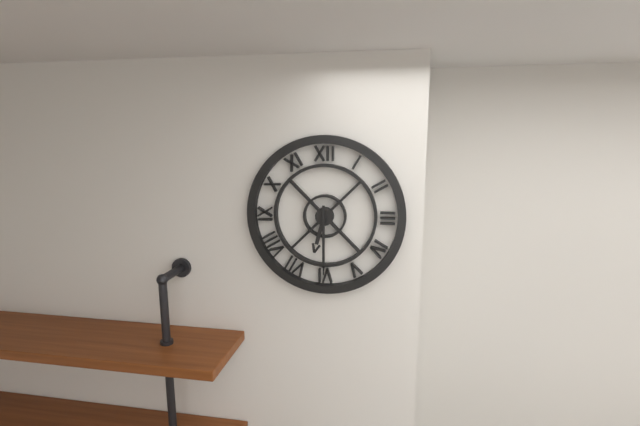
6:30
